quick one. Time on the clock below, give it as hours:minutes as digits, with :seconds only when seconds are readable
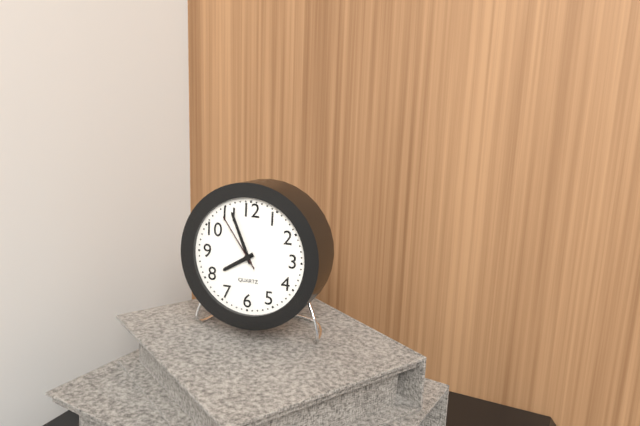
7:56:54
